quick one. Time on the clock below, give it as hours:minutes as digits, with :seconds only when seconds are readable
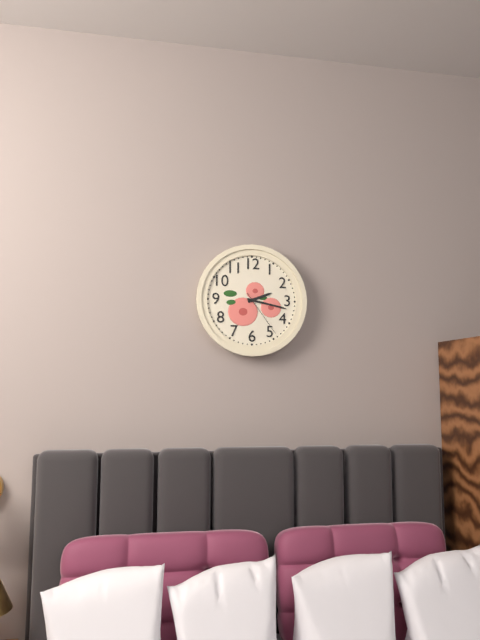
2:17:24
